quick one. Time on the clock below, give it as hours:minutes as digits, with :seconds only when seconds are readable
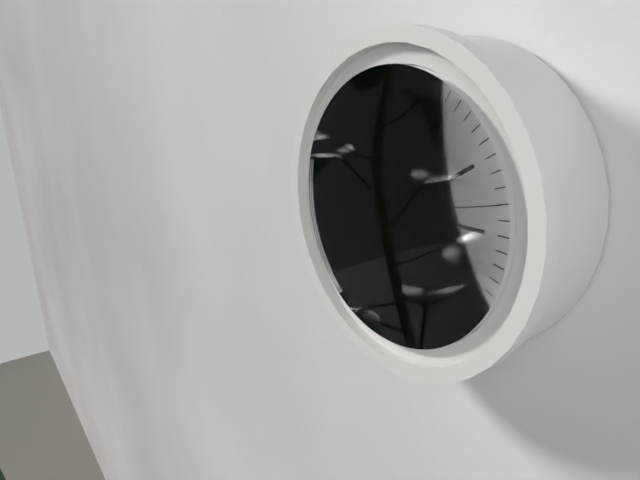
2:04:13
